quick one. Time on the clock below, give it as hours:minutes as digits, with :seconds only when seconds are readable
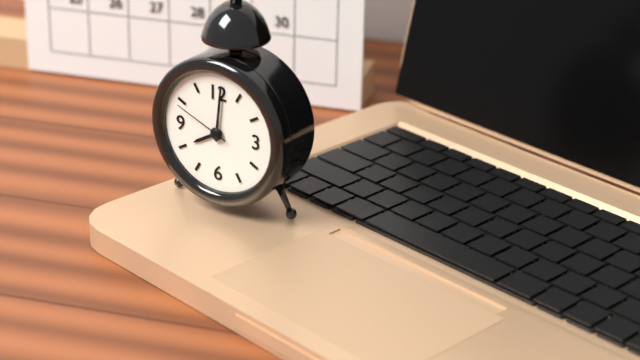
8:01:49
